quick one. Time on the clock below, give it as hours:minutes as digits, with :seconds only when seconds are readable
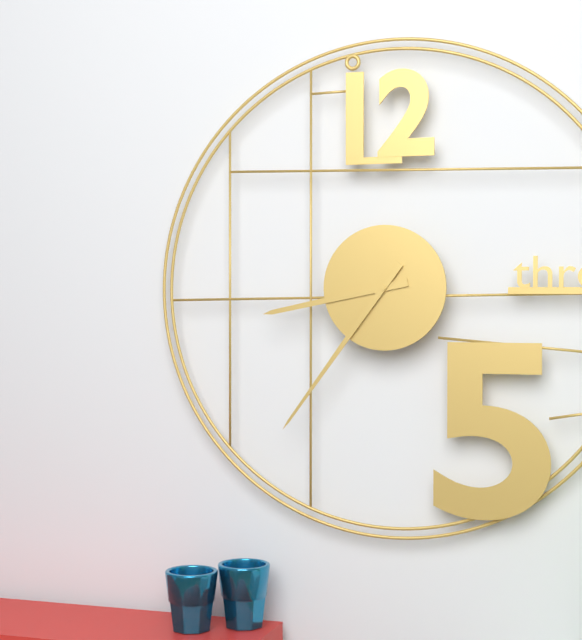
8:36
